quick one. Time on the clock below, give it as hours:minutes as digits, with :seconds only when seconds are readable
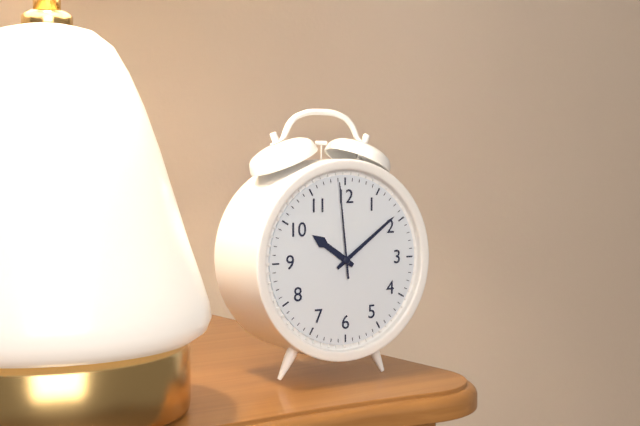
10:09:59
